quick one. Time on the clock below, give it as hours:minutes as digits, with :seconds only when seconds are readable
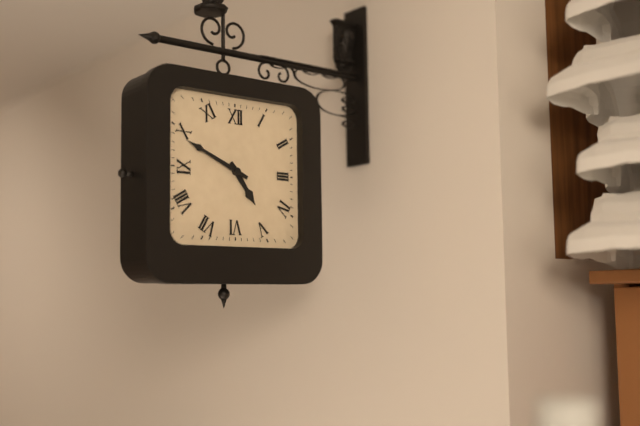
4:49
